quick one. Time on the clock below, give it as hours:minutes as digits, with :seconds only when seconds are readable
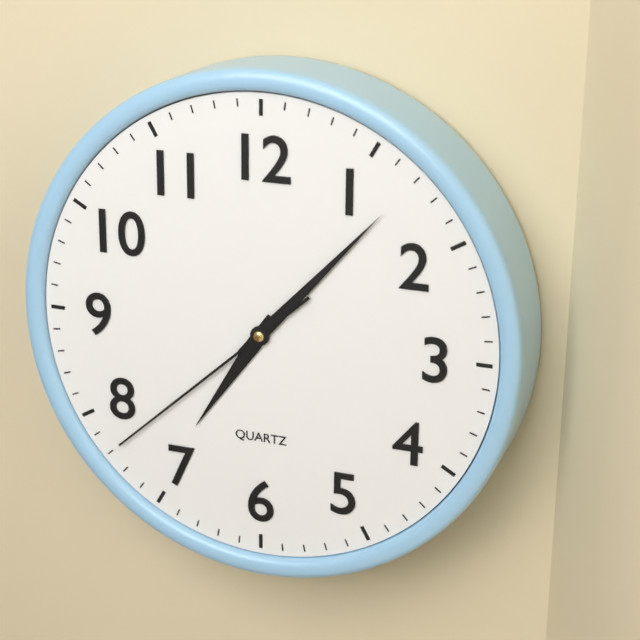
7:07:38
